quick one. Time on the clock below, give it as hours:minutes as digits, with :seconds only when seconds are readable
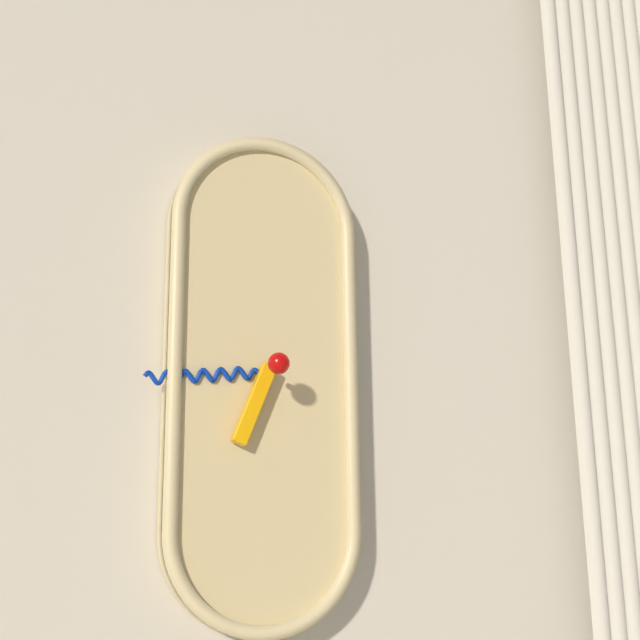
6:44
